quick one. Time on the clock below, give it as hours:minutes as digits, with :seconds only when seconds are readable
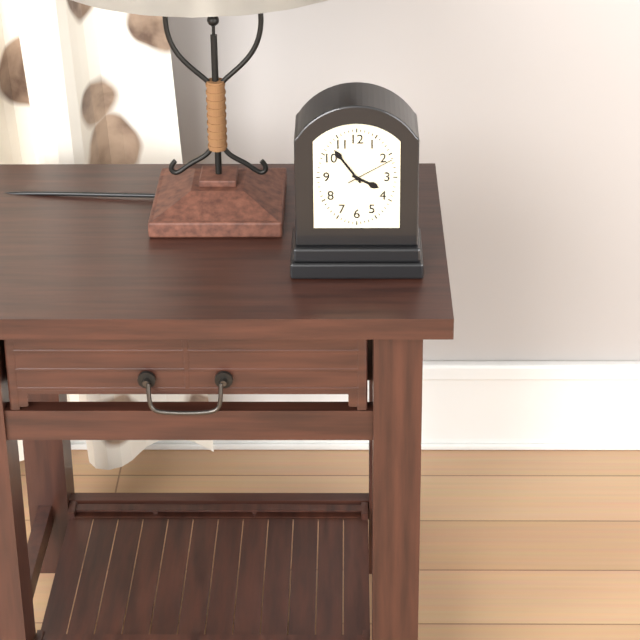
3:54
